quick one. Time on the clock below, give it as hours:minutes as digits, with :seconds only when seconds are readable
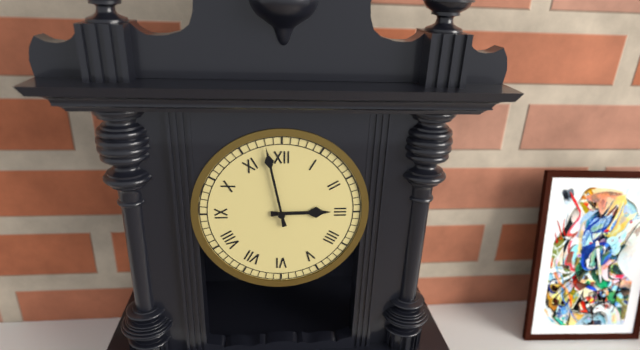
2:58
